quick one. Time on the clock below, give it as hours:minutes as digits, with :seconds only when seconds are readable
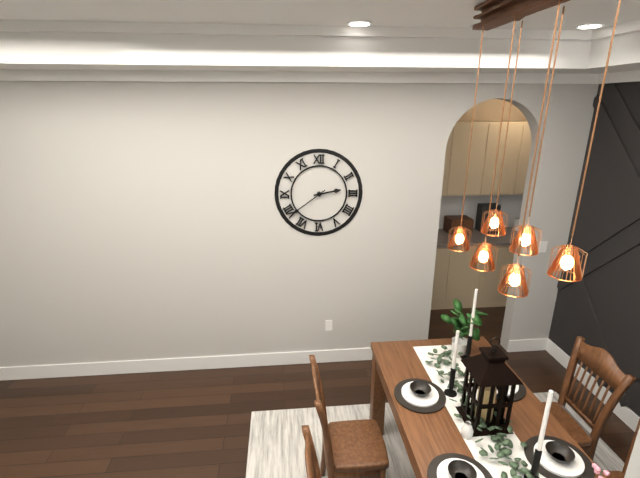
2:39
